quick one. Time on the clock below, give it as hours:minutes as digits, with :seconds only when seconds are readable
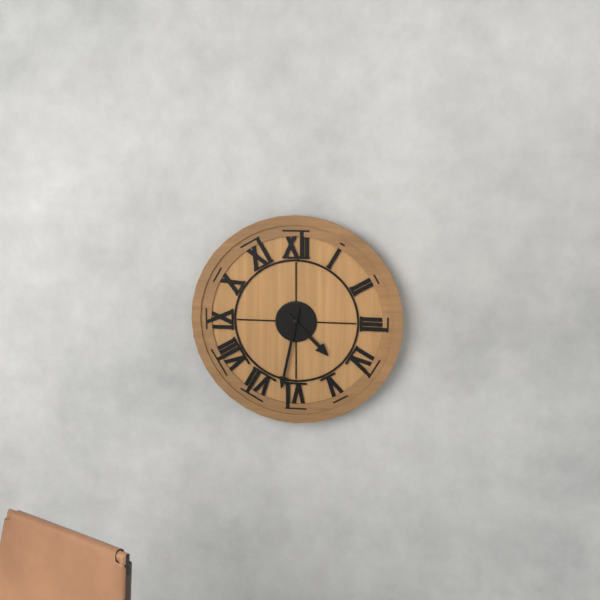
4:32
